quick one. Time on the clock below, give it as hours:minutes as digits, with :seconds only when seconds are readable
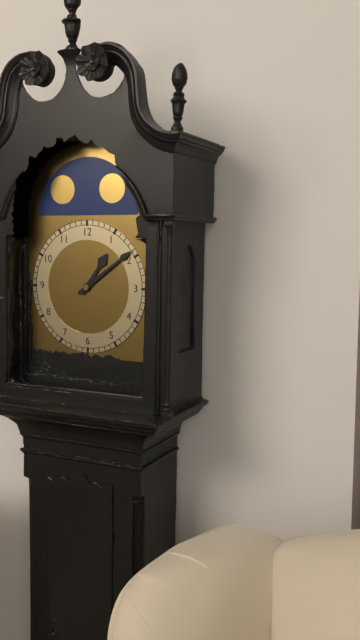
1:09
